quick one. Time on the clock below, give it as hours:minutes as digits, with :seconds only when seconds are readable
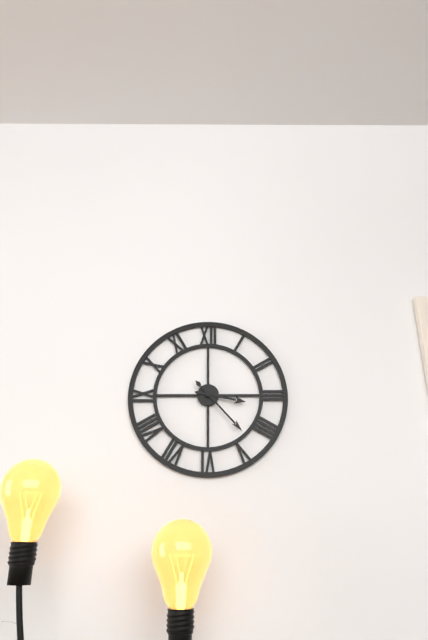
3:23
